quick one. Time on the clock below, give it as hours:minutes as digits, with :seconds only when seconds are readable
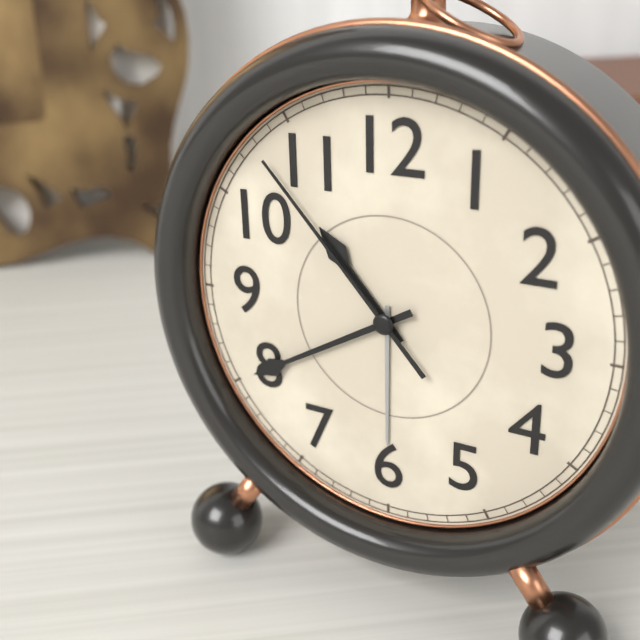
10:40:53
